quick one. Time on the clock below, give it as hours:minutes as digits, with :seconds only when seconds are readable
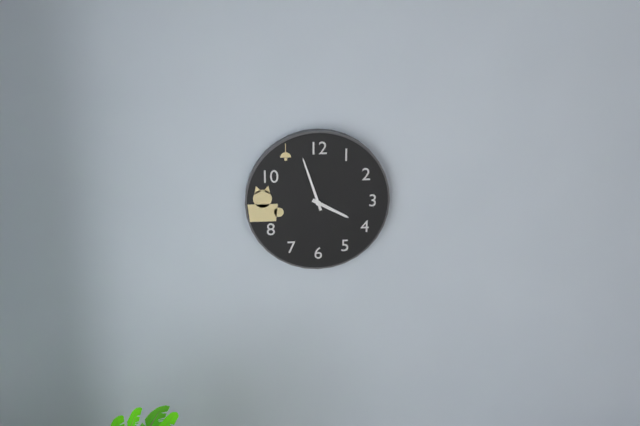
3:57
